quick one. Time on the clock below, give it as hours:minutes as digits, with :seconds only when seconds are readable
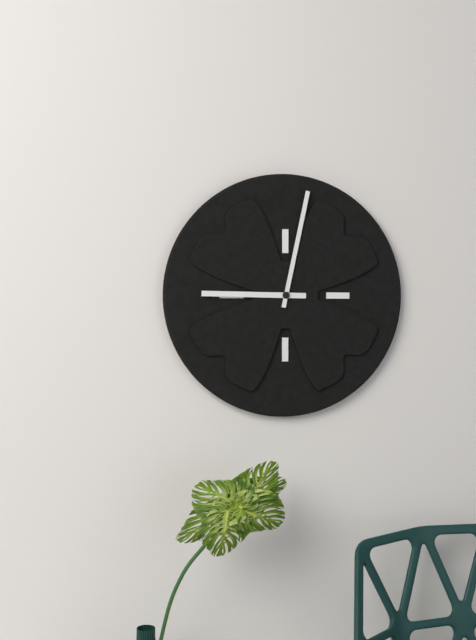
9:02
